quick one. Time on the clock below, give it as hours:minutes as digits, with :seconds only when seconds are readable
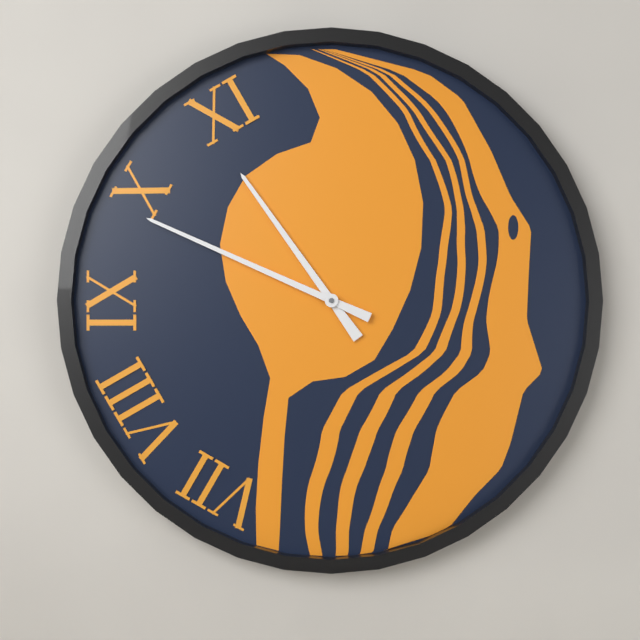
10:49
